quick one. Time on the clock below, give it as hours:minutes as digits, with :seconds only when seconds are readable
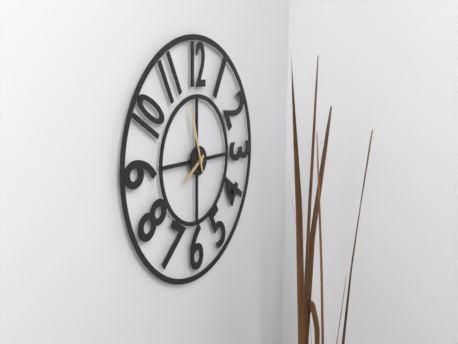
7:57
